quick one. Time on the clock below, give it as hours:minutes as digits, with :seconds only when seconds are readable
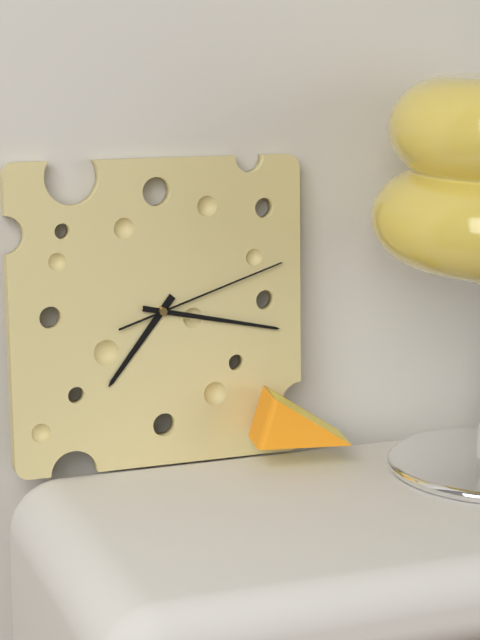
7:17:12
